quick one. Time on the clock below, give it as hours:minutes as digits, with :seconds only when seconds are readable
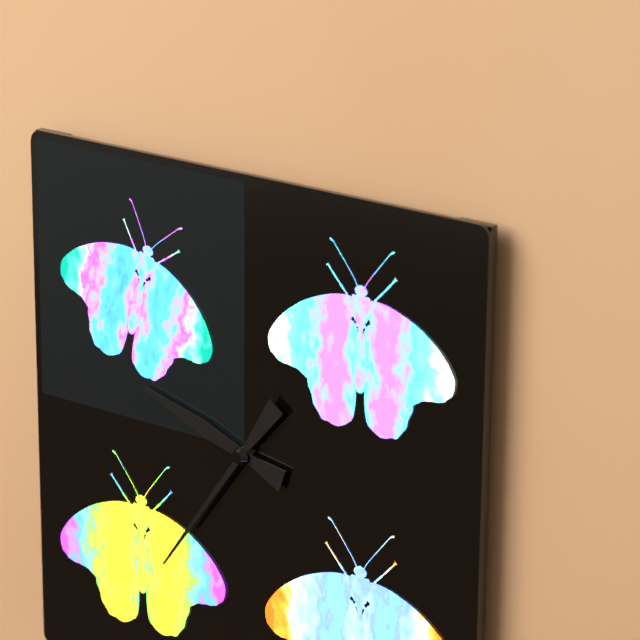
9:36
